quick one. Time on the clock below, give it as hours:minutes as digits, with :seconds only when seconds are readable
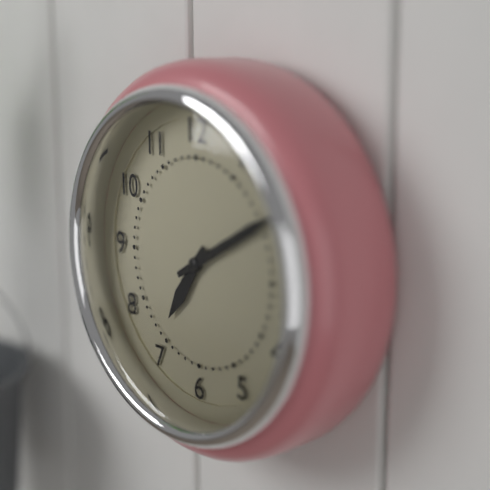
7:10
